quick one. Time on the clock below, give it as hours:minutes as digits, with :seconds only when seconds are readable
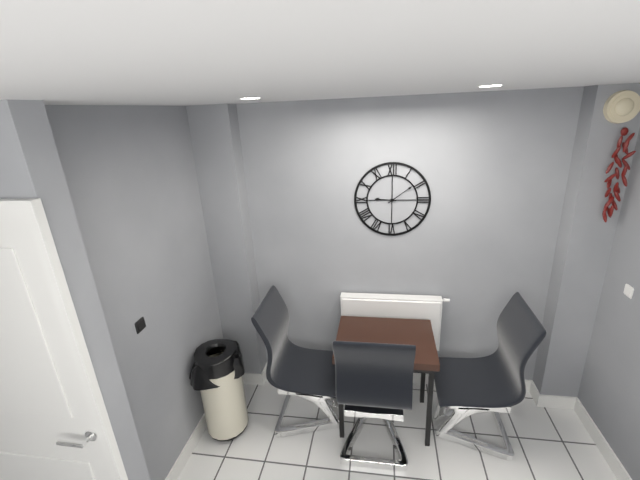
9:09
